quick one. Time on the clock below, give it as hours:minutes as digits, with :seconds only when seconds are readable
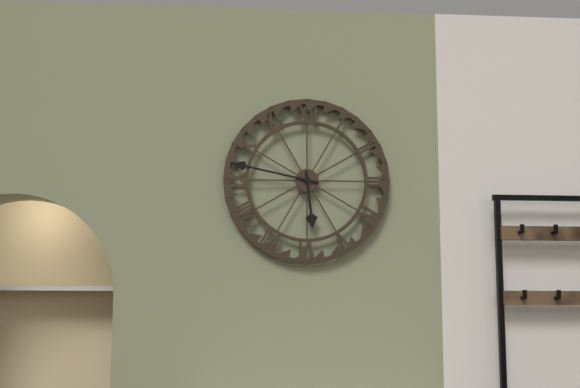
5:47
